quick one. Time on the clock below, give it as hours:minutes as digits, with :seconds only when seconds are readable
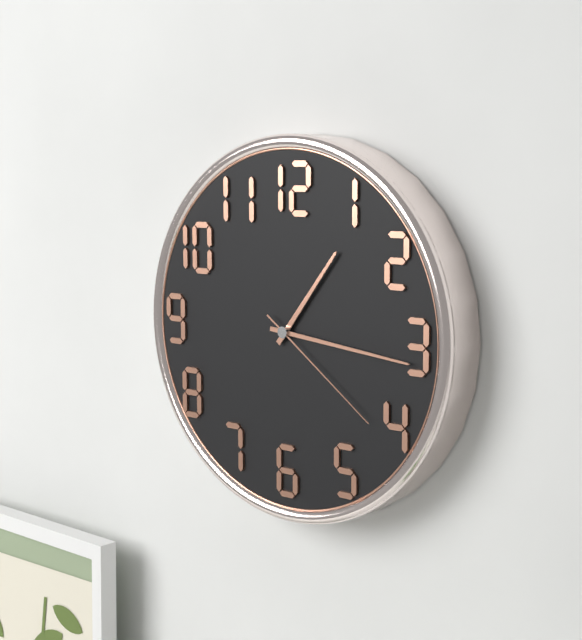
1:16:21
